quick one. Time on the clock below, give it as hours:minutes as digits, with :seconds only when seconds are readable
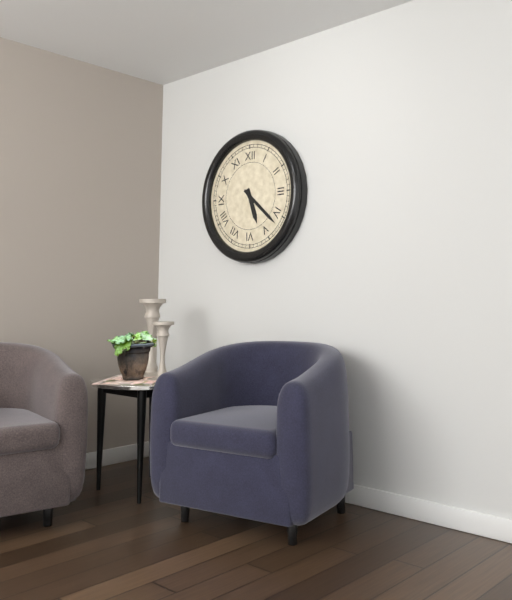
5:22
